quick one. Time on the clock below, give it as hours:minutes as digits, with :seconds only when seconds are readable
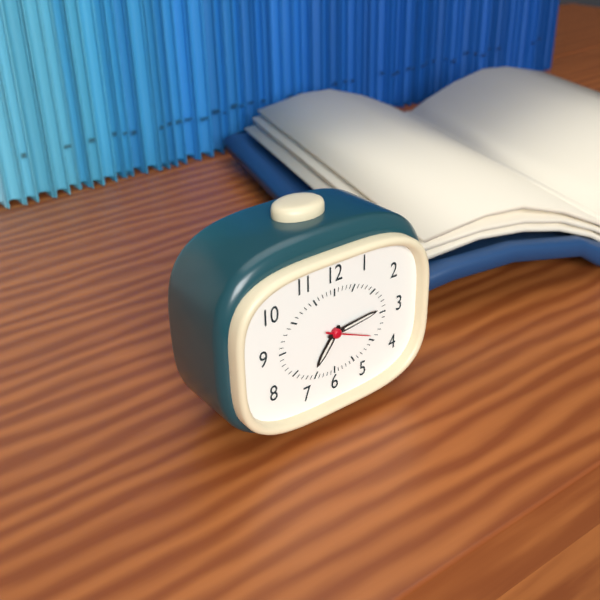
7:14
